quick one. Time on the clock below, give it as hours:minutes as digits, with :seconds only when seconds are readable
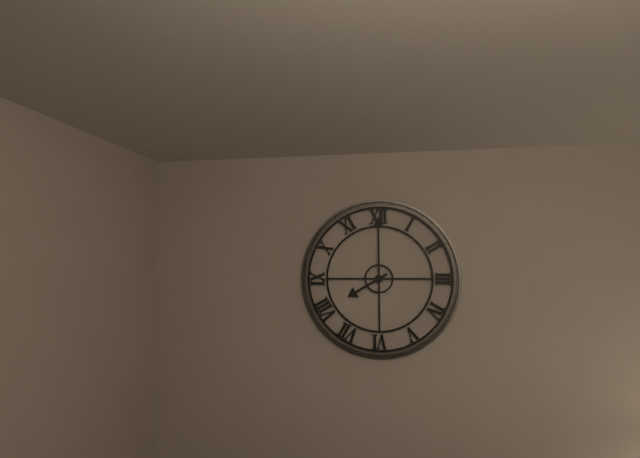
8:00
